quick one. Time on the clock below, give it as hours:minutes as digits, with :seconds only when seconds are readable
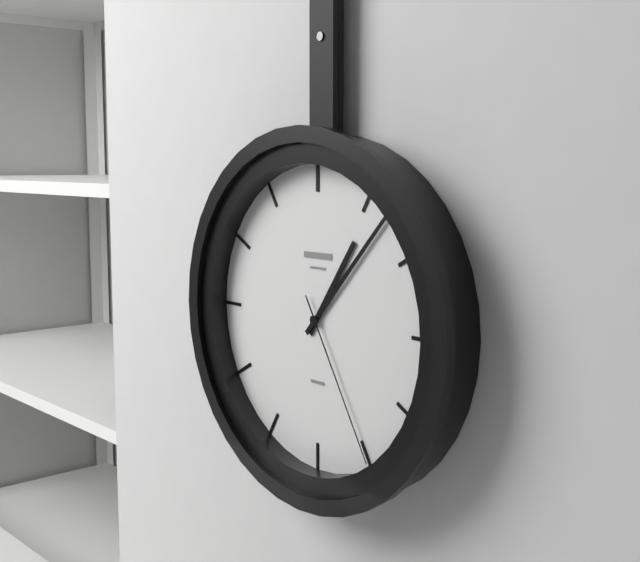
1:07:25
